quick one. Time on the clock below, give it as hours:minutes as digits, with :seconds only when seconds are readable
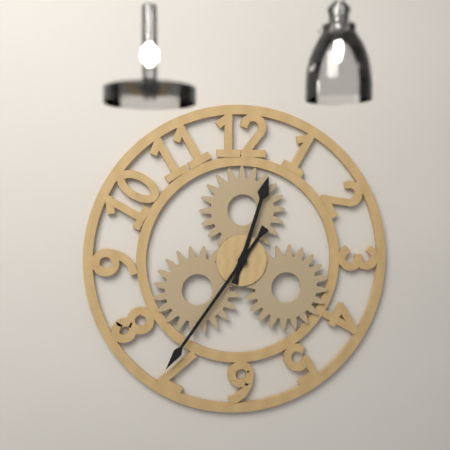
12:36
